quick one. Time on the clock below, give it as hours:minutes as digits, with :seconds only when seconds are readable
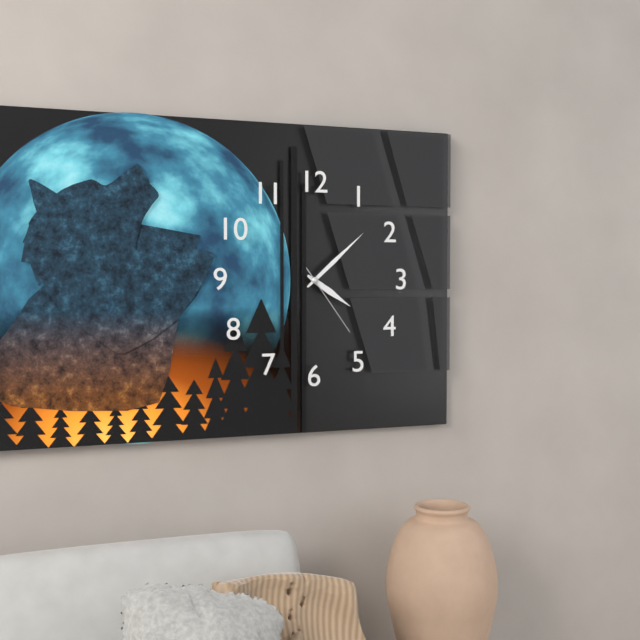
4:08:24
